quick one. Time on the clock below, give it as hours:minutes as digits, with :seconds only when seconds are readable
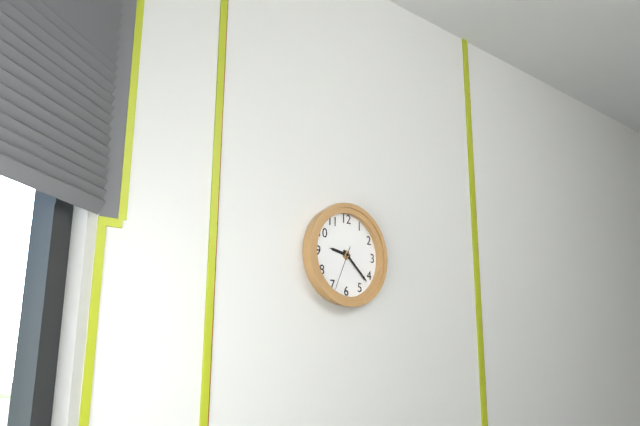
9:22
